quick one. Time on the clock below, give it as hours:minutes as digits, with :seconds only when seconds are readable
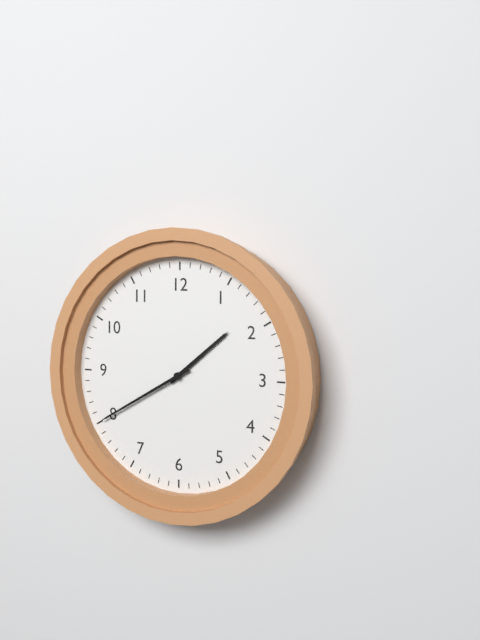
1:40
